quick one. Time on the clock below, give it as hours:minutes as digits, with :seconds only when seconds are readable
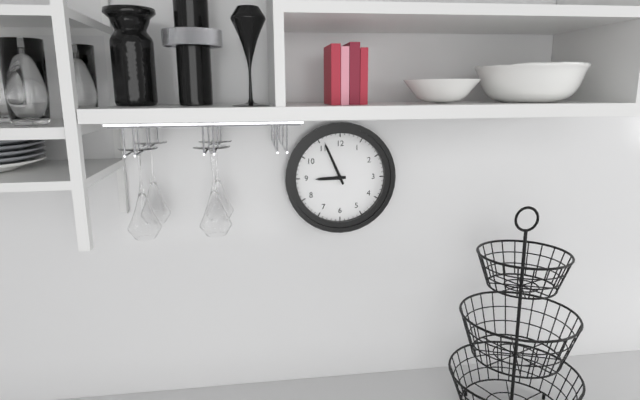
8:56
